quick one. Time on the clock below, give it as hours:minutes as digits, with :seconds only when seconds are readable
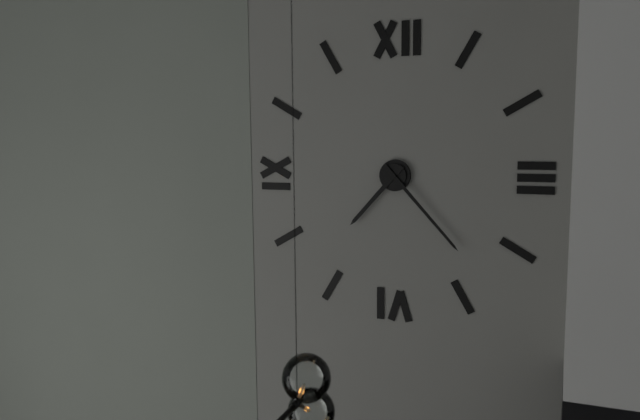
7:23
